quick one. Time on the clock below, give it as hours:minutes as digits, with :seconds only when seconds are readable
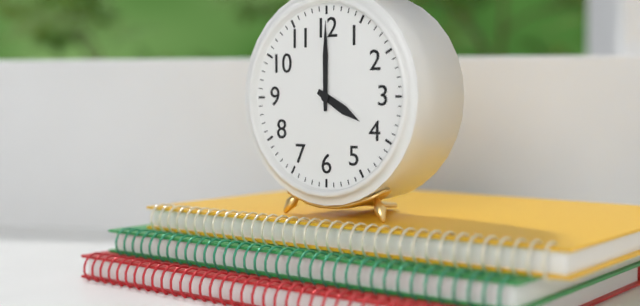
4:00
